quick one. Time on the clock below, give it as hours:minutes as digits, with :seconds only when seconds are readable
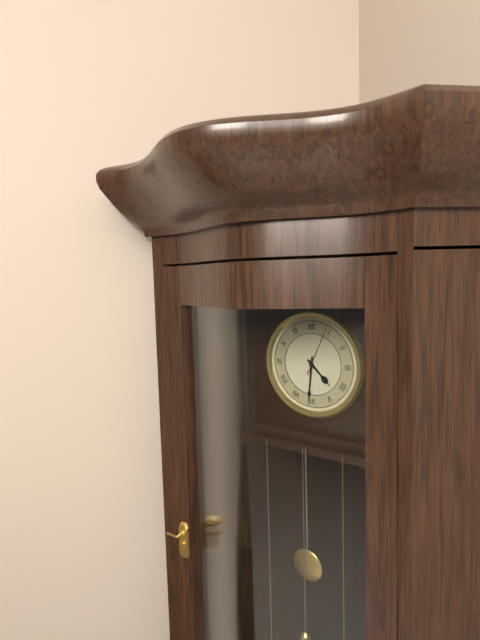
4:31:04
